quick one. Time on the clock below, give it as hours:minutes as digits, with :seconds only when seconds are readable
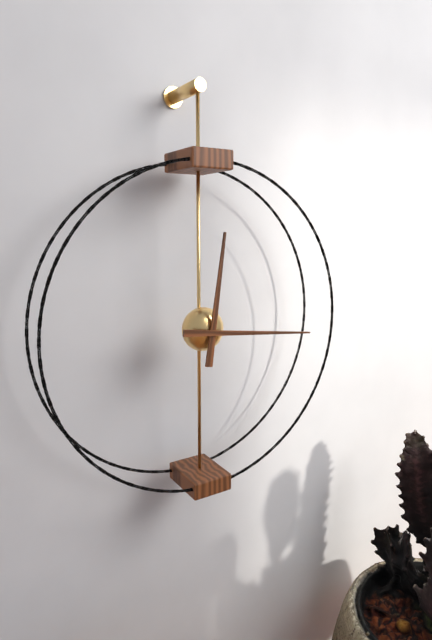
12:16
